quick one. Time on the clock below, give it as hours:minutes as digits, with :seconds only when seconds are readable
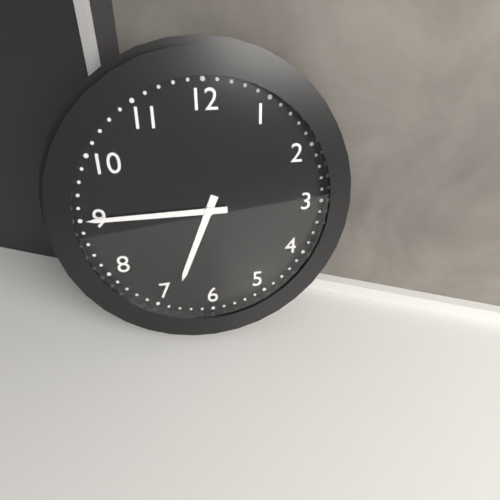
6:45
